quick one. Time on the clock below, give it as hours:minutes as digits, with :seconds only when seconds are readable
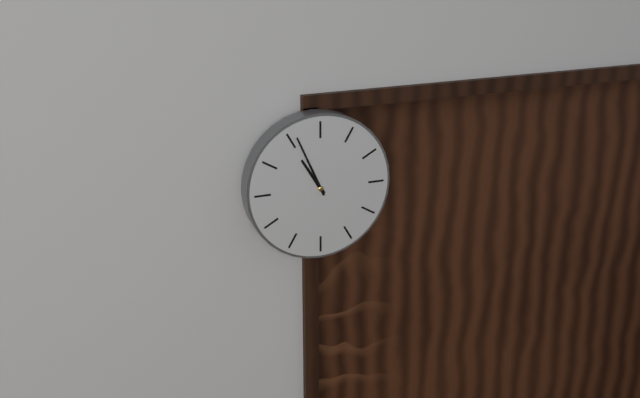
10:56
